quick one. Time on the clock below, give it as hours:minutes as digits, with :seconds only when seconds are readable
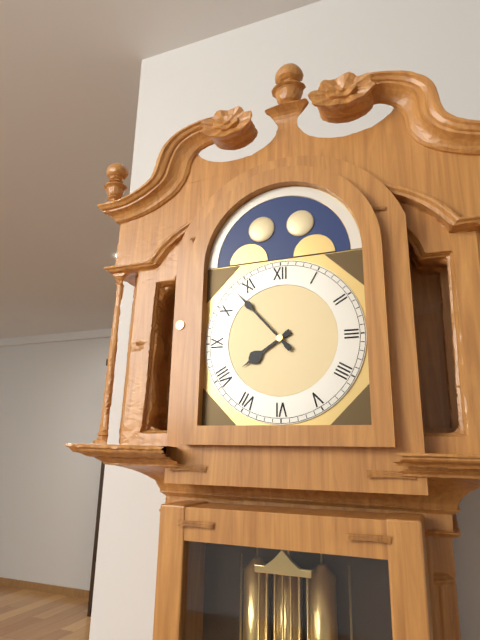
7:53
